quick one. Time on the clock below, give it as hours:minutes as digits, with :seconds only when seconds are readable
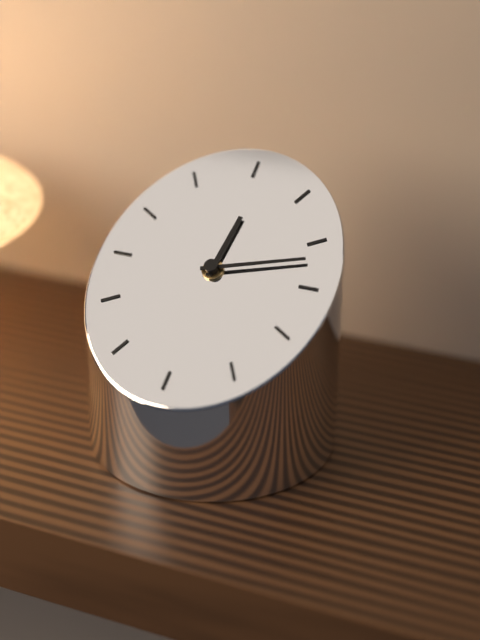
12:12
